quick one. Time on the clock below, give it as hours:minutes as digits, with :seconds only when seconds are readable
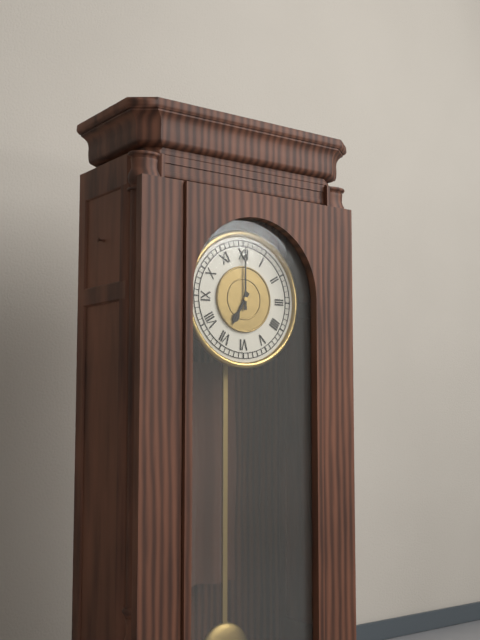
7:00
